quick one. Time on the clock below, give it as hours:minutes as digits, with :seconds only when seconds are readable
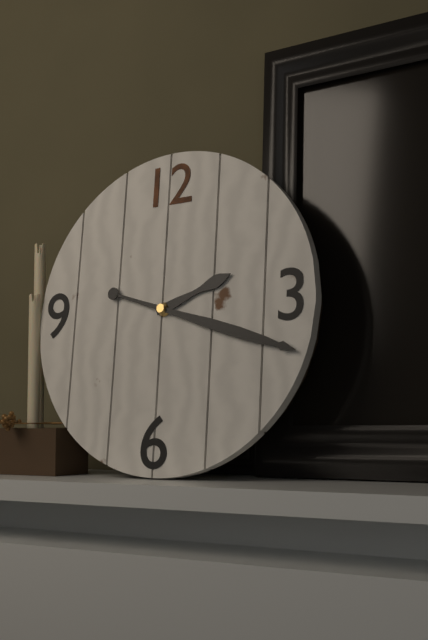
2:18
